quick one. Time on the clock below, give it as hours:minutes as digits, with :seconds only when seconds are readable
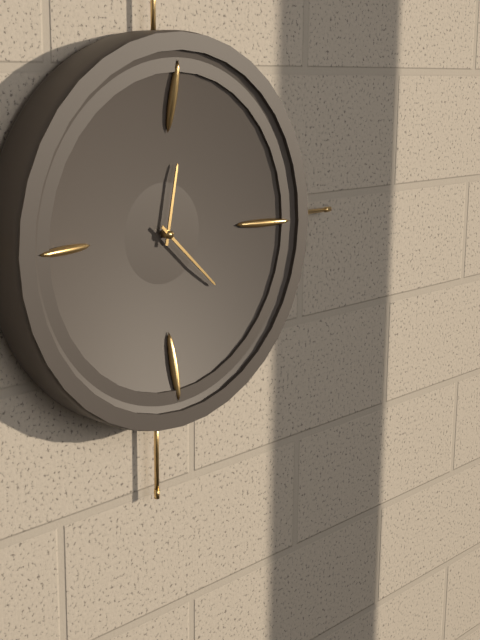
12:22
